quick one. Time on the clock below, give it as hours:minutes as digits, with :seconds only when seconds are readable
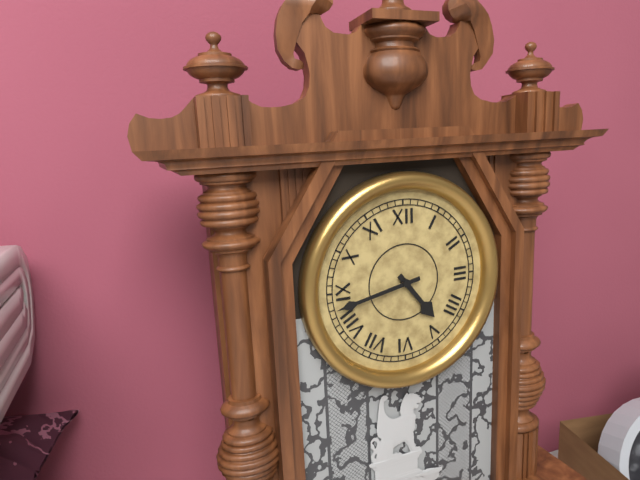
4:43
